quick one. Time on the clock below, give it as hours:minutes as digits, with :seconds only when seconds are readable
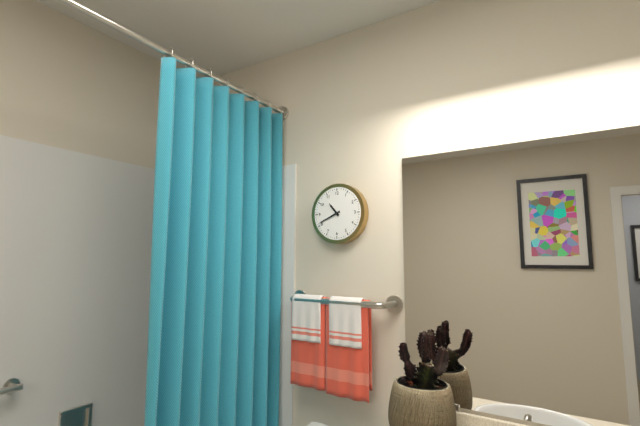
10:41
